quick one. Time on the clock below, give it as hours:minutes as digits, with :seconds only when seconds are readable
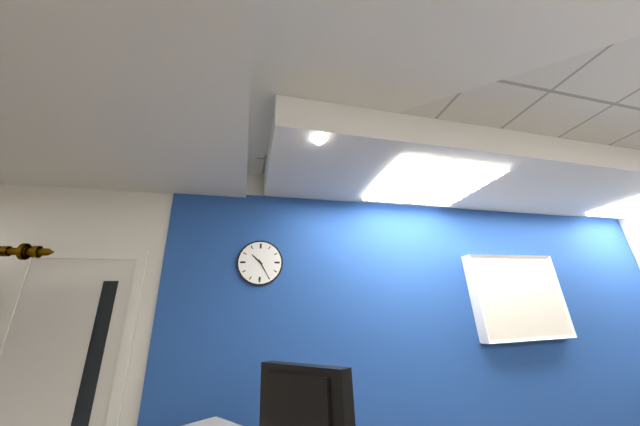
10:25
